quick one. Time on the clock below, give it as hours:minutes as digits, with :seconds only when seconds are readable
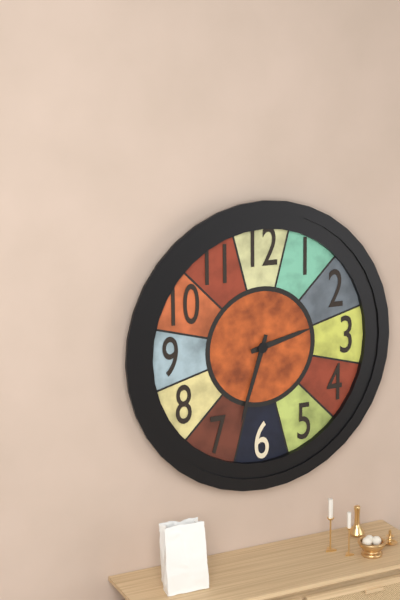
2:33
